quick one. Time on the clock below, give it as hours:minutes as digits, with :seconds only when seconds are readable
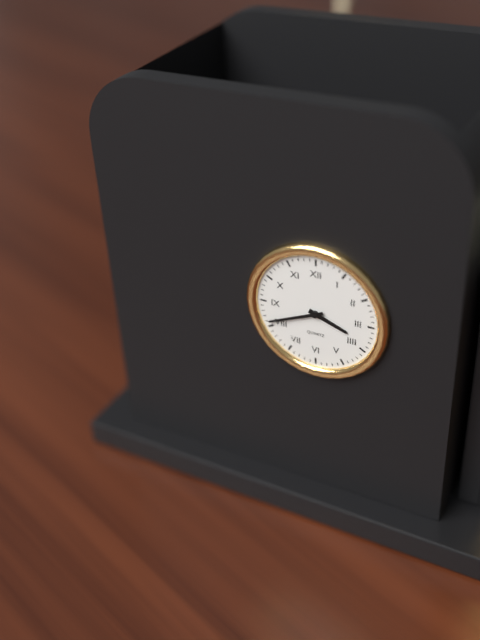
3:41
